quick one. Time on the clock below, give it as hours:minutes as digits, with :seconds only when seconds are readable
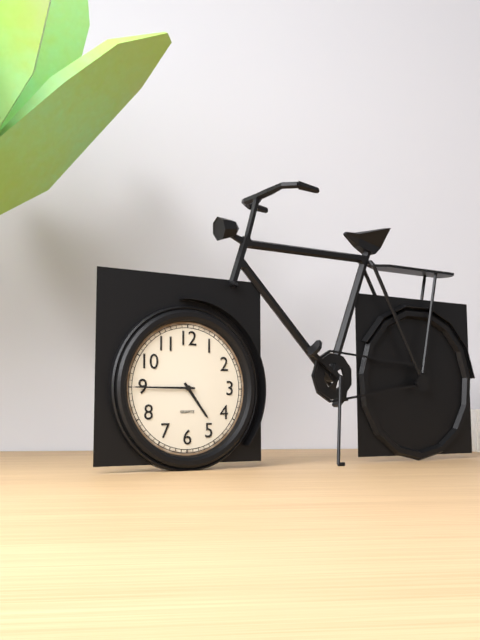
4:45
